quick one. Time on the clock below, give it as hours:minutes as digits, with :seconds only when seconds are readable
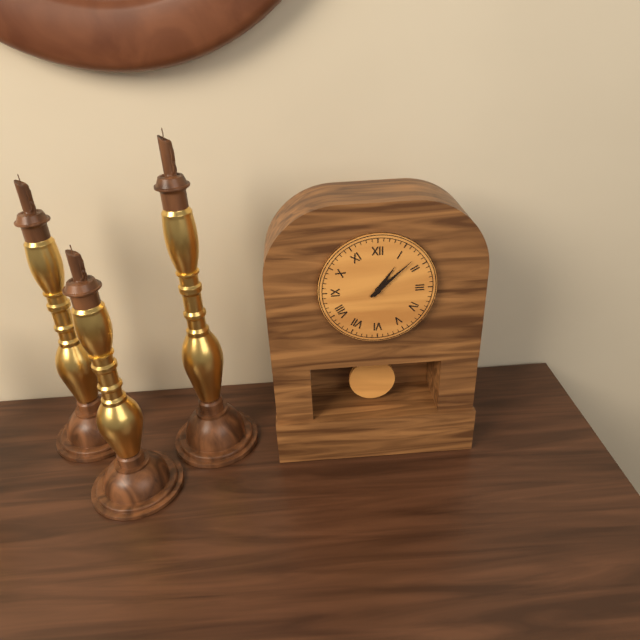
1:08
